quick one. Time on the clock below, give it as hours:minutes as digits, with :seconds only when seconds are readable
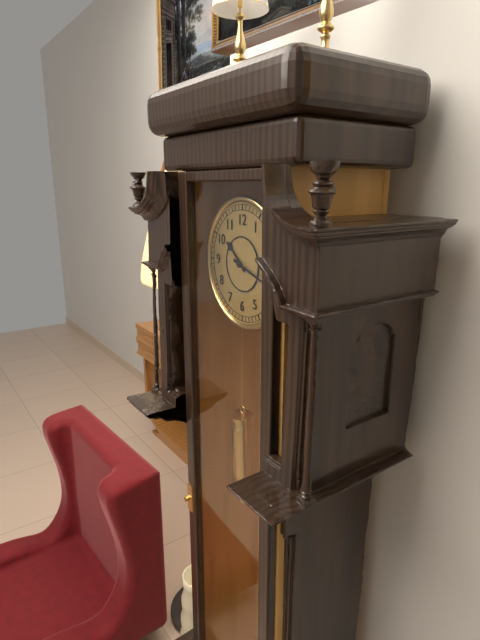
10:18
